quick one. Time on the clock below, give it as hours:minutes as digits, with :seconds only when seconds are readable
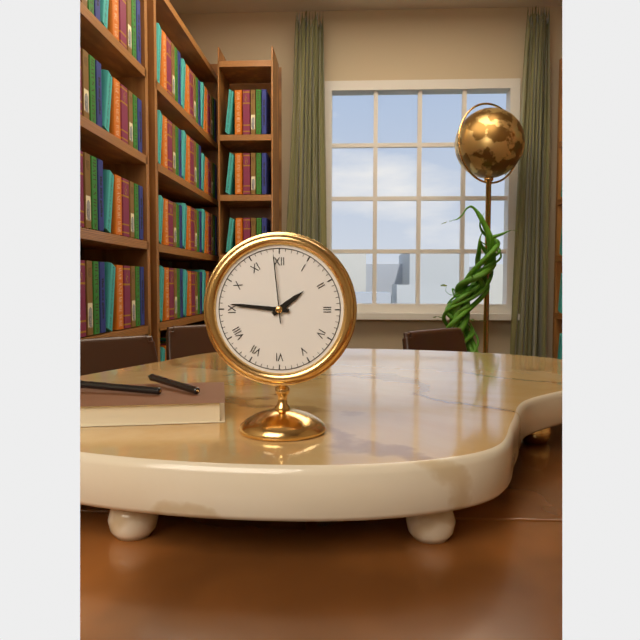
1:46:59
